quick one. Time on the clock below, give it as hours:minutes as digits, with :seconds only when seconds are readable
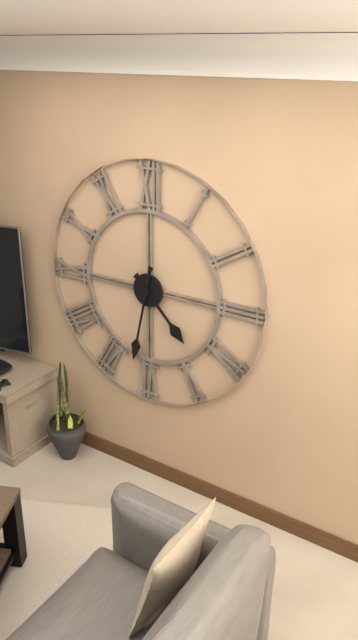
4:32
